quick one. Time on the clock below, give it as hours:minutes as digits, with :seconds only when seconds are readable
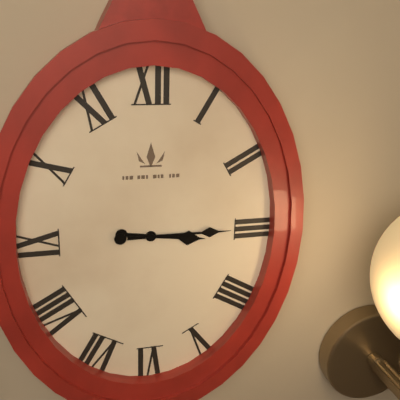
3:15
